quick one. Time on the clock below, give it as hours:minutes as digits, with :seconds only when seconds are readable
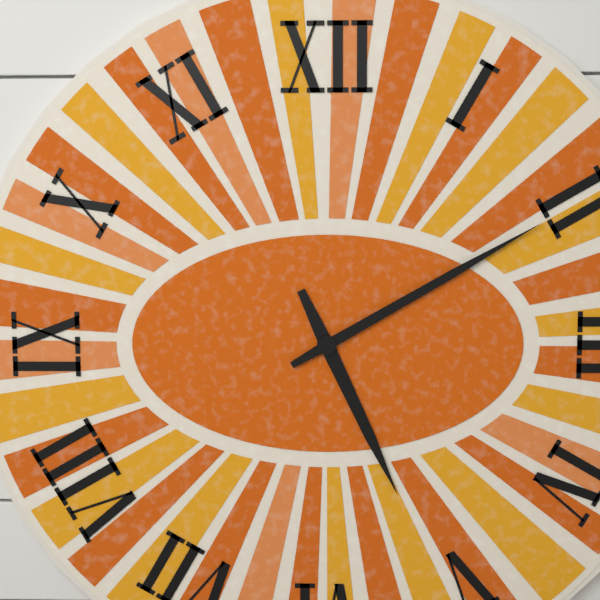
5:10
